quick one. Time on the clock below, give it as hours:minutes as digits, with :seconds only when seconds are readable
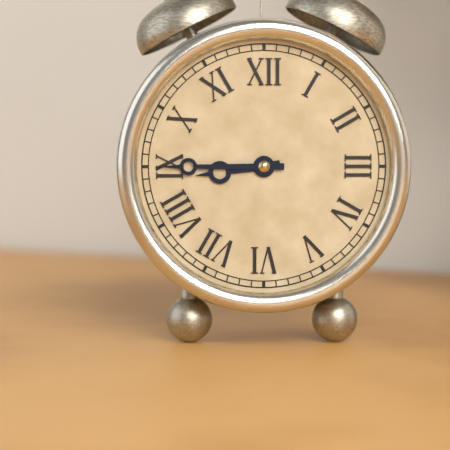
8:45
